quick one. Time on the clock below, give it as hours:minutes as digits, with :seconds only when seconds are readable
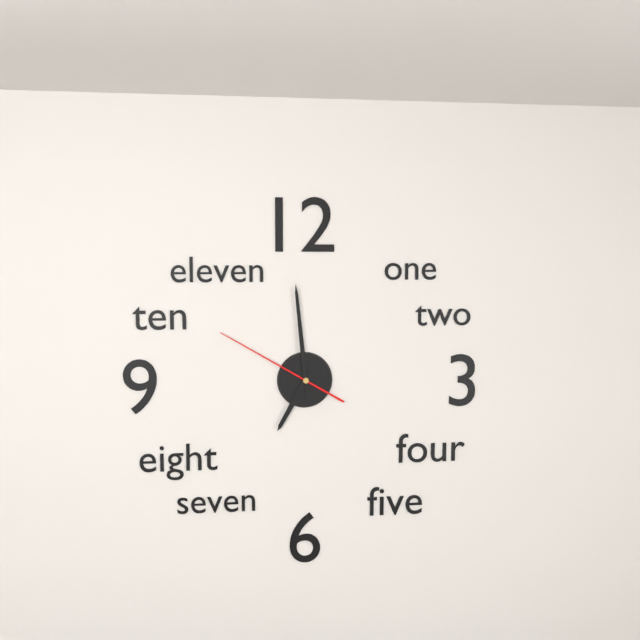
6:59:50
